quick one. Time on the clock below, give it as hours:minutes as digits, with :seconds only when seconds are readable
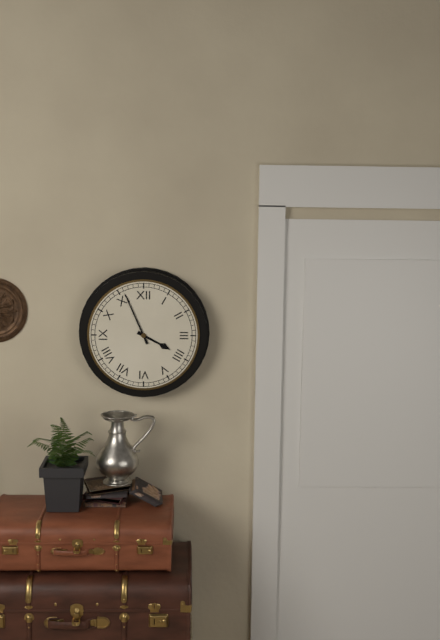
3:56
